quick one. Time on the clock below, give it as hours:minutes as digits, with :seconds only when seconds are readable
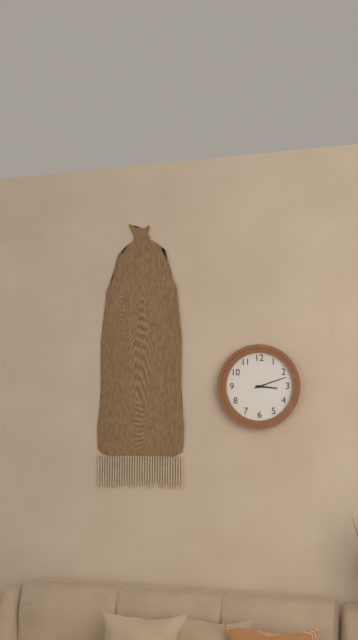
3:12
